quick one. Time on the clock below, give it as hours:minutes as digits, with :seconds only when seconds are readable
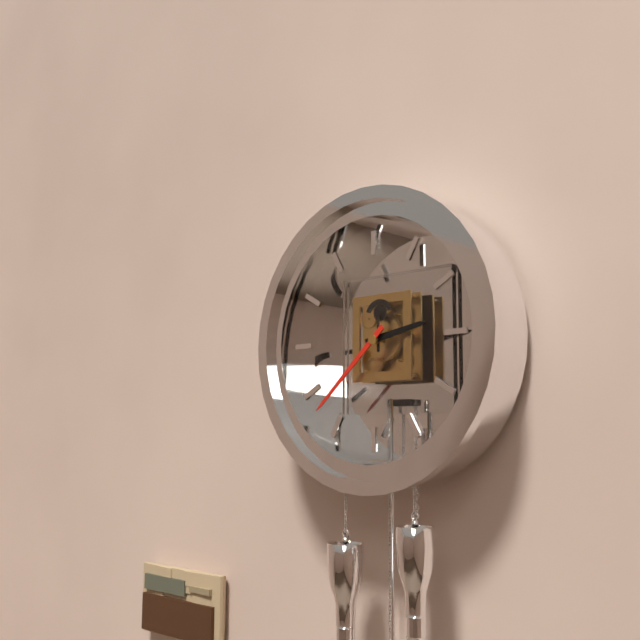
2:38
